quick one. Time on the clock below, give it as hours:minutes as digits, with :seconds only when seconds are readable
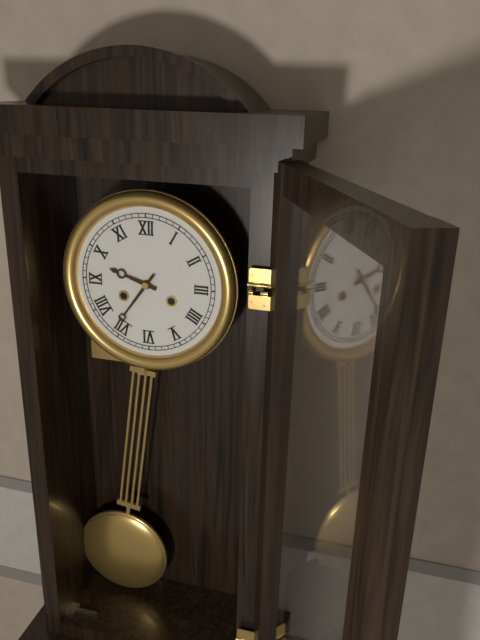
9:36
